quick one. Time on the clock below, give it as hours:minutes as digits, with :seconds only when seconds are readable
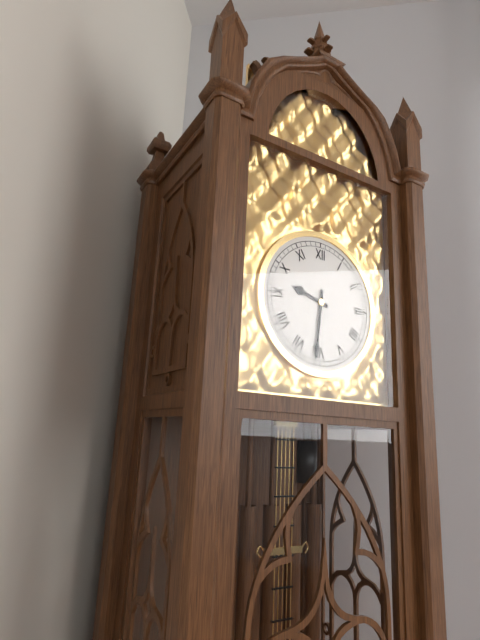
9:31
